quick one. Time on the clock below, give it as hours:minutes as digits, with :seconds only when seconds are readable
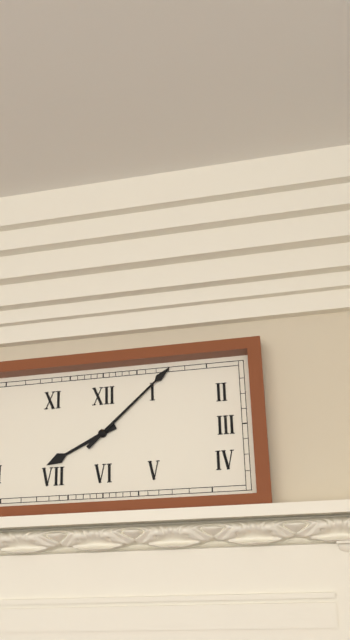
8:08
